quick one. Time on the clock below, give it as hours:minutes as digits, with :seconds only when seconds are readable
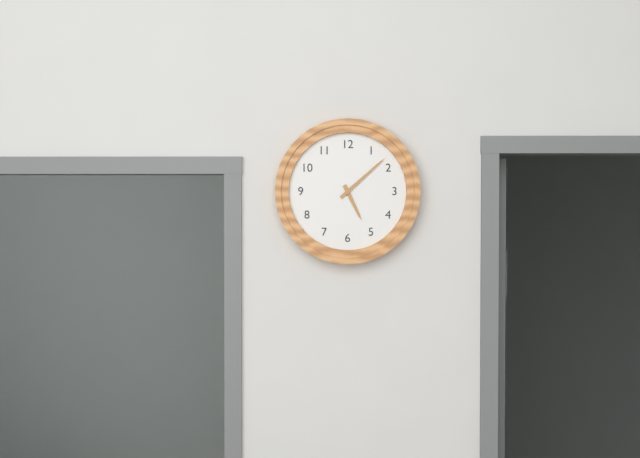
5:08
